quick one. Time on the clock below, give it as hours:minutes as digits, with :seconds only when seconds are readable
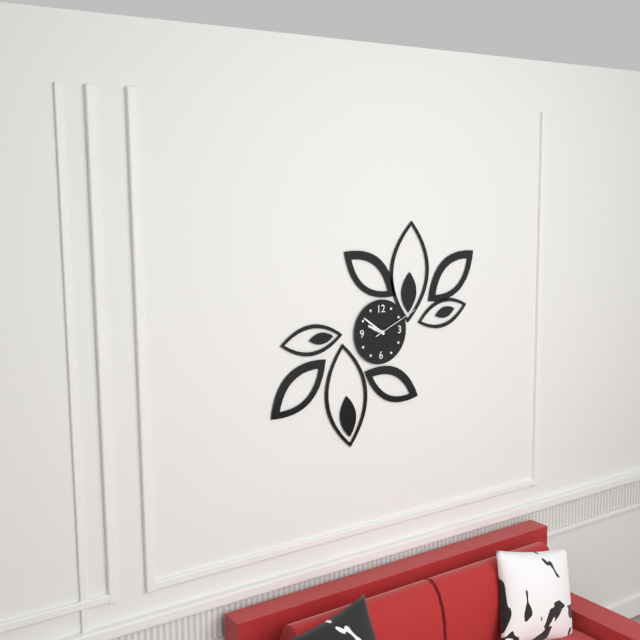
9:51:11
